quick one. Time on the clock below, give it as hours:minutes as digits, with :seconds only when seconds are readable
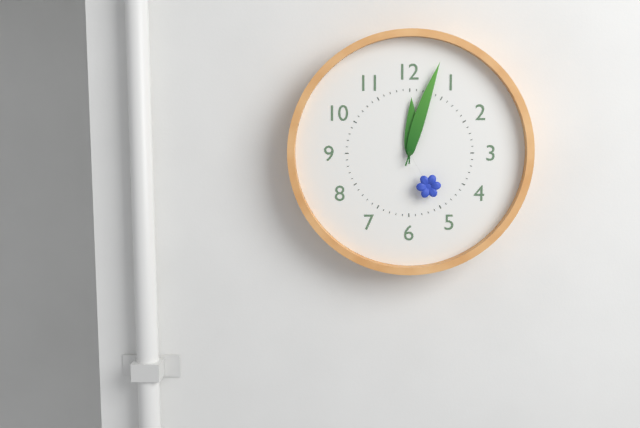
12:03:25
